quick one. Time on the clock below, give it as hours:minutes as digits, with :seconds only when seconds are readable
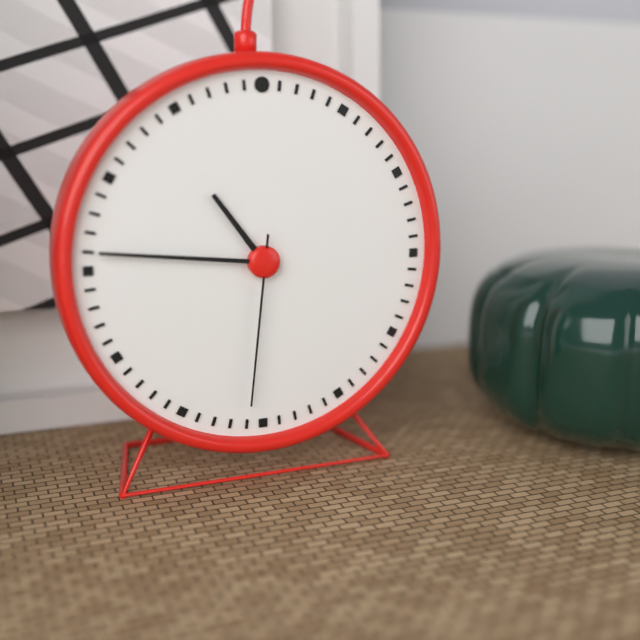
10:46:31
